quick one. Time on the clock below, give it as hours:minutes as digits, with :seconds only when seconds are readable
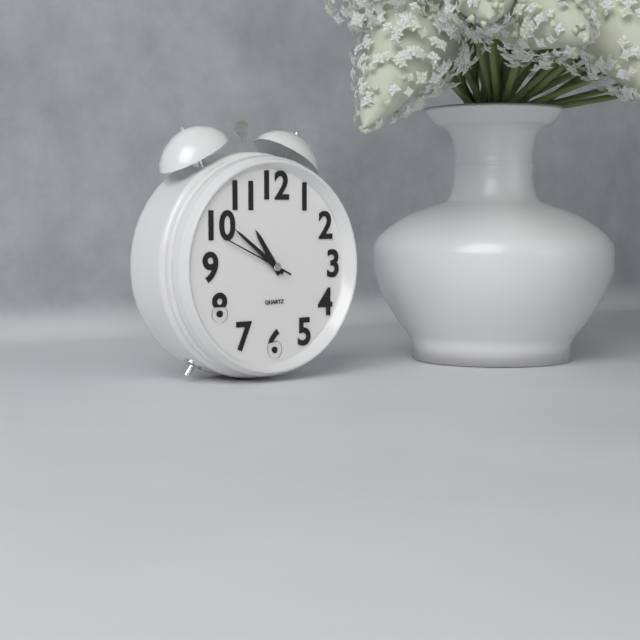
10:51:49
